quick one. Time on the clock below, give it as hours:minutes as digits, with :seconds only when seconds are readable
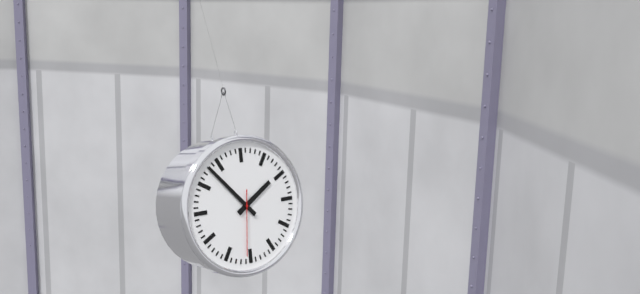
1:53:31
